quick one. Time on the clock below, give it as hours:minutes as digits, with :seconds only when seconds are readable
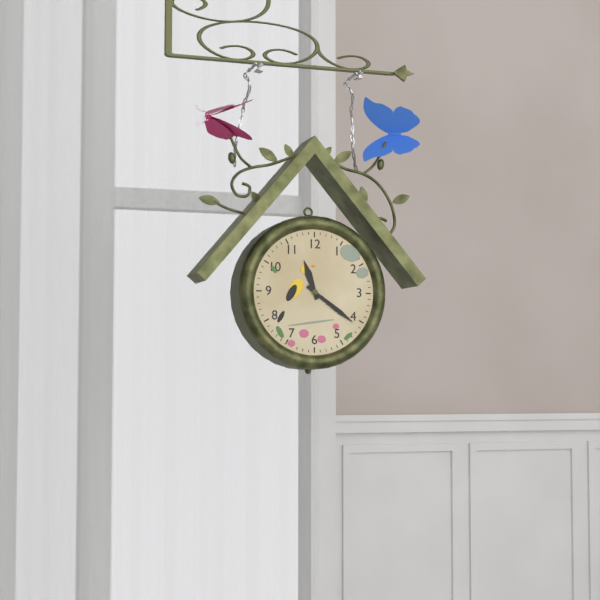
11:21
